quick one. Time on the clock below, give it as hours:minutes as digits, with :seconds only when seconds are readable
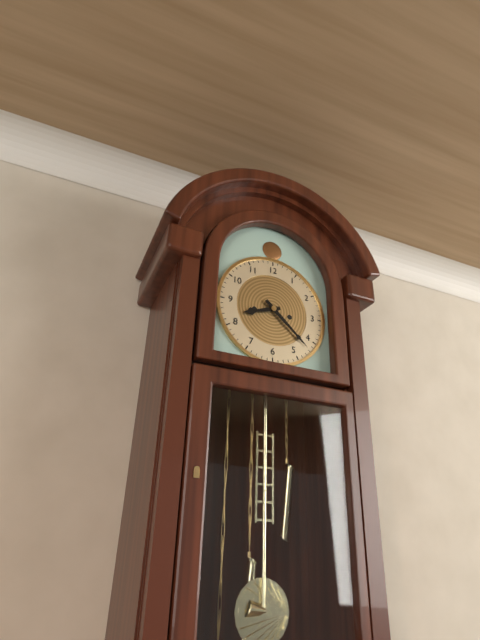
8:22
